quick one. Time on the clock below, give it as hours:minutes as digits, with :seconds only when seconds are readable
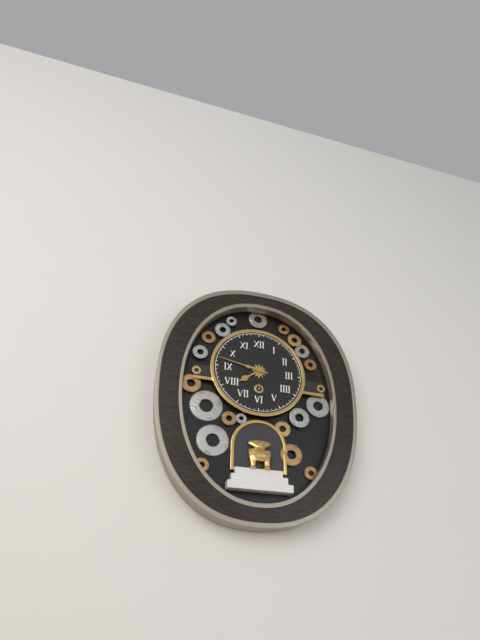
7:47
